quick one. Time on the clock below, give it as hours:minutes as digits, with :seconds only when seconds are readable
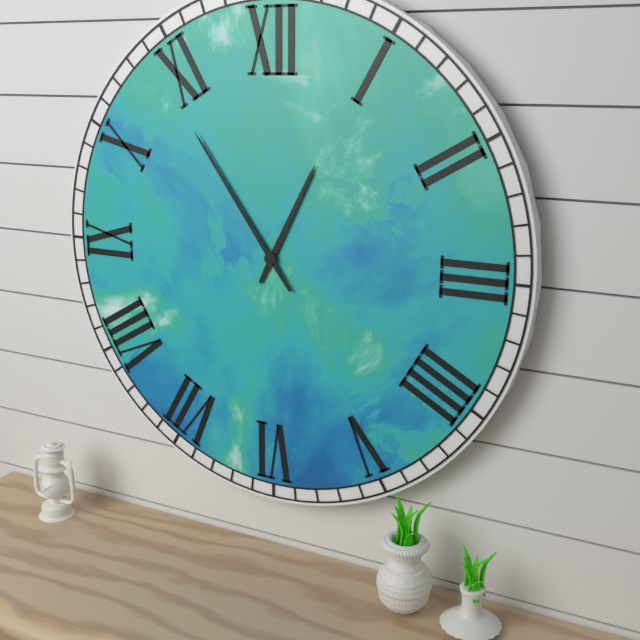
12:54
